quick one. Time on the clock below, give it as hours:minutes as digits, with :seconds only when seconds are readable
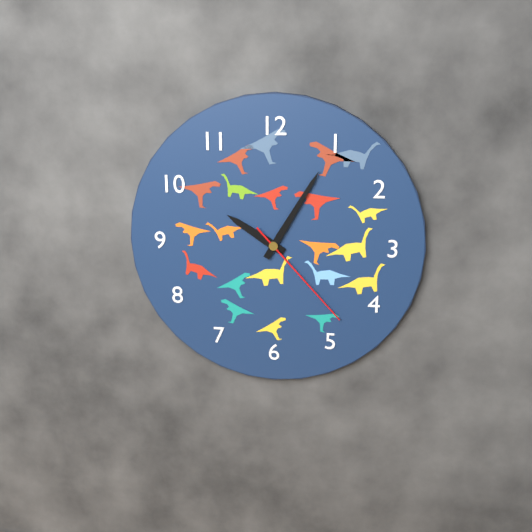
10:05:23
